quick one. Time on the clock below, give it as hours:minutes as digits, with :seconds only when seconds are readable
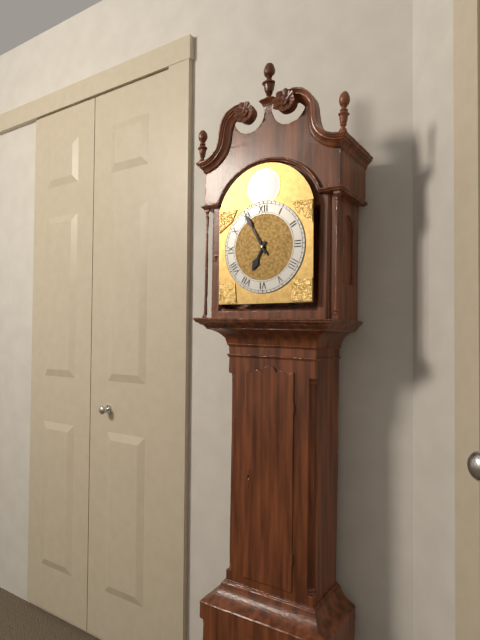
6:55
